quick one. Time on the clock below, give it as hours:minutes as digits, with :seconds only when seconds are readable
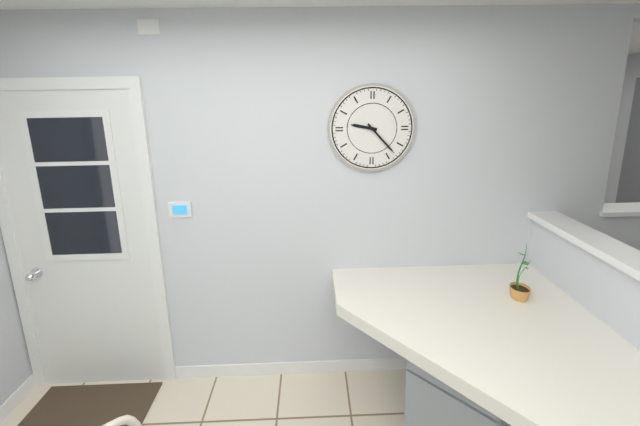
9:23
